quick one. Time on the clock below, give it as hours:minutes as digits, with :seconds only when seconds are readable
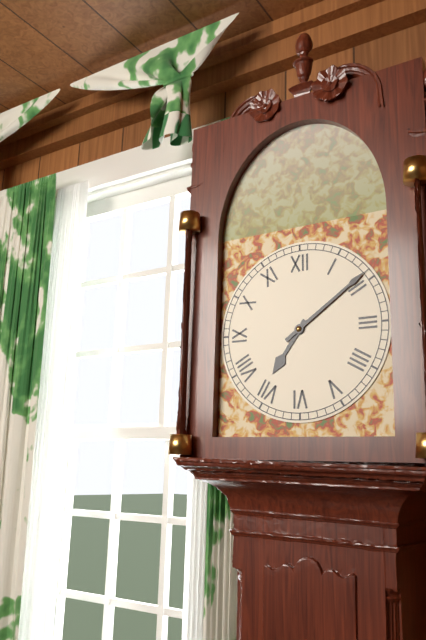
7:09
